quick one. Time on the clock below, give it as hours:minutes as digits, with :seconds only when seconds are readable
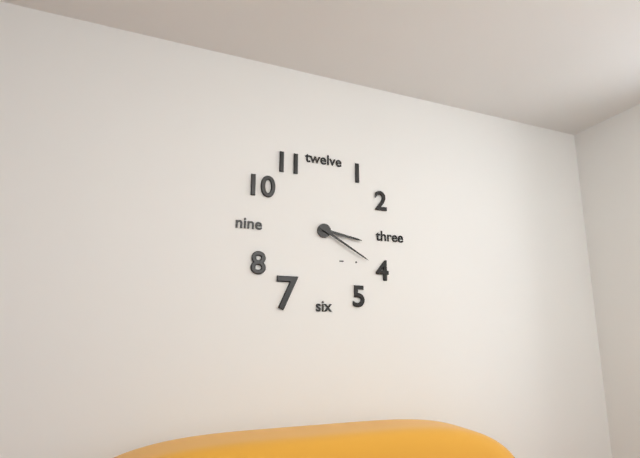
3:20
